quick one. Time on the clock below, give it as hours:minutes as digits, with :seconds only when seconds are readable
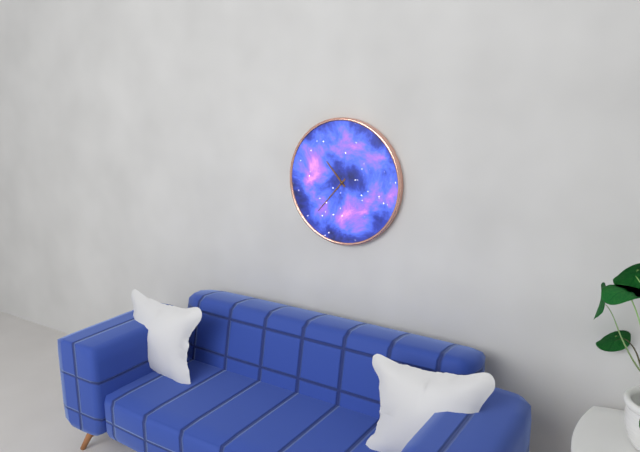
10:37
